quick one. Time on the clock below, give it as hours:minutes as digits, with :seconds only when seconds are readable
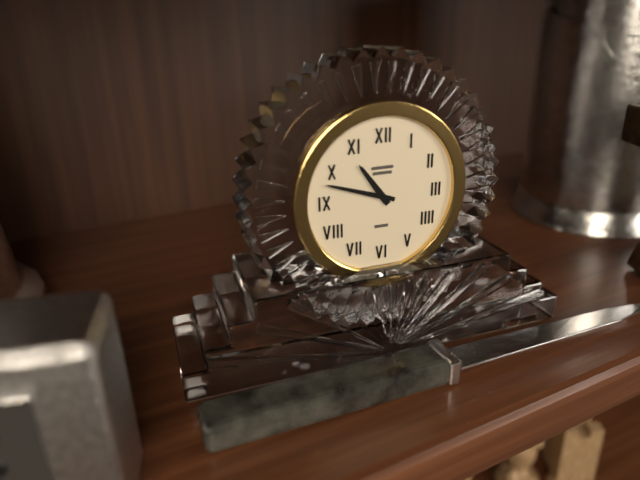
10:48
